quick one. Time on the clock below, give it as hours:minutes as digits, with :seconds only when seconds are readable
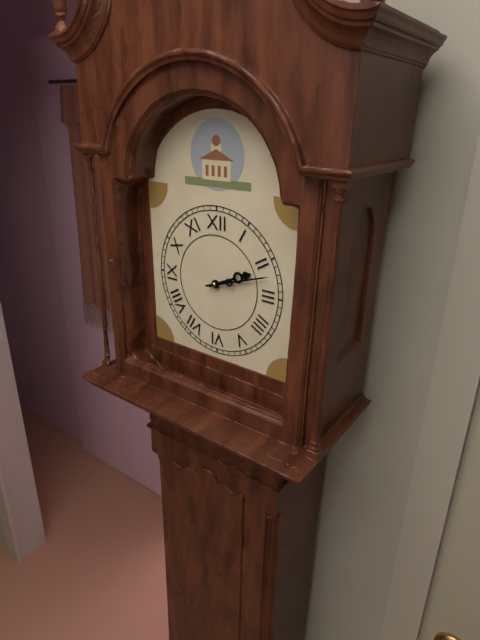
2:12
